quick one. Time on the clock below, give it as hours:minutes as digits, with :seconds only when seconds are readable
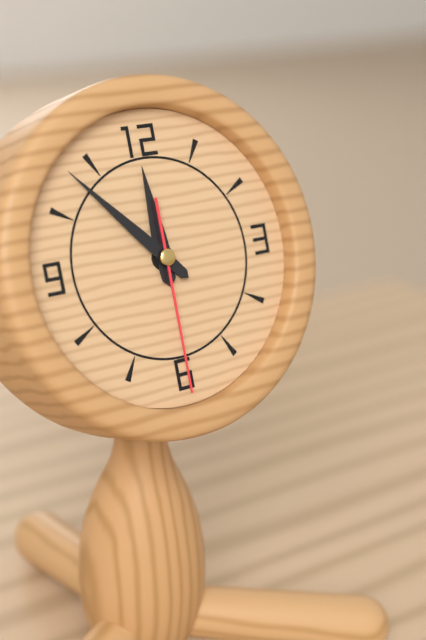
11:53:30
